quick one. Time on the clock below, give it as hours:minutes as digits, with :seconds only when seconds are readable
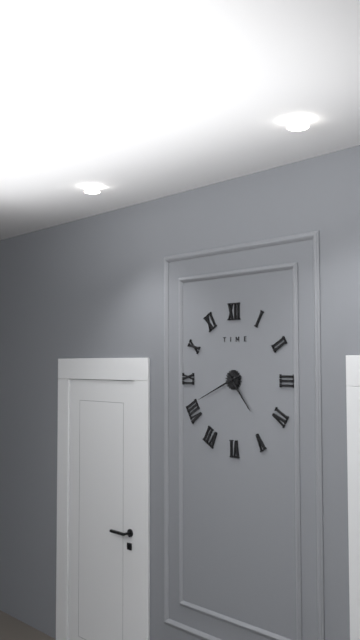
4:41
